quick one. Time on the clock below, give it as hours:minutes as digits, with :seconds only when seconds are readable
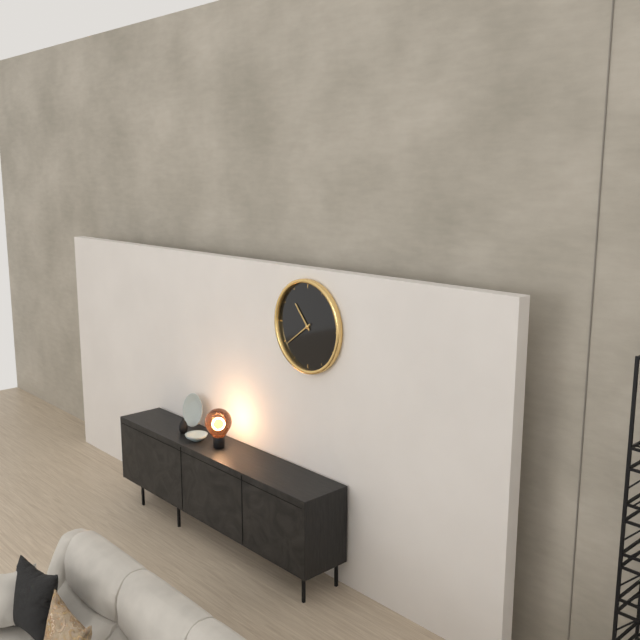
10:39
